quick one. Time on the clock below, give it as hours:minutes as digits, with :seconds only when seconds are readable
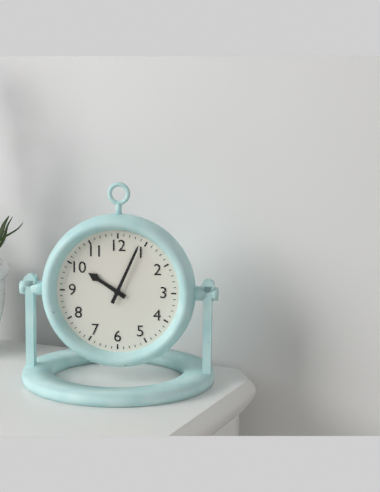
10:04
